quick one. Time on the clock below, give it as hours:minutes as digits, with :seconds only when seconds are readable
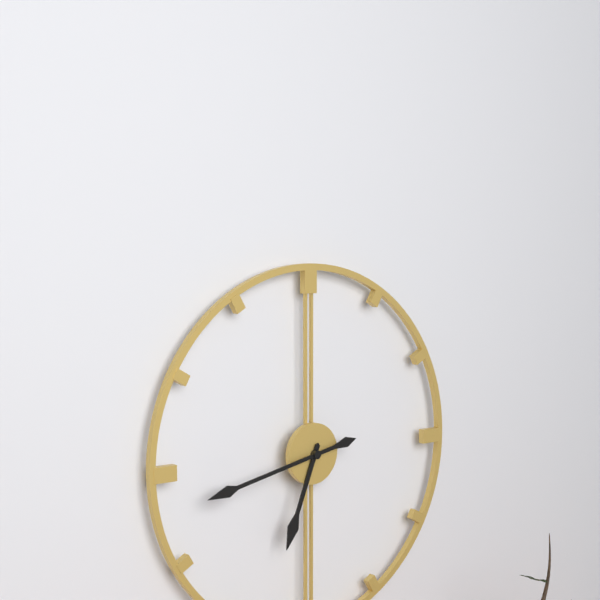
6:43
